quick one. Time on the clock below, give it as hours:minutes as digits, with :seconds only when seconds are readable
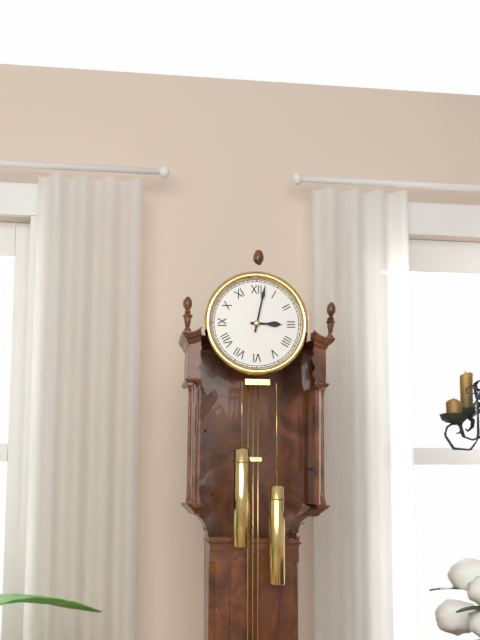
3:02
